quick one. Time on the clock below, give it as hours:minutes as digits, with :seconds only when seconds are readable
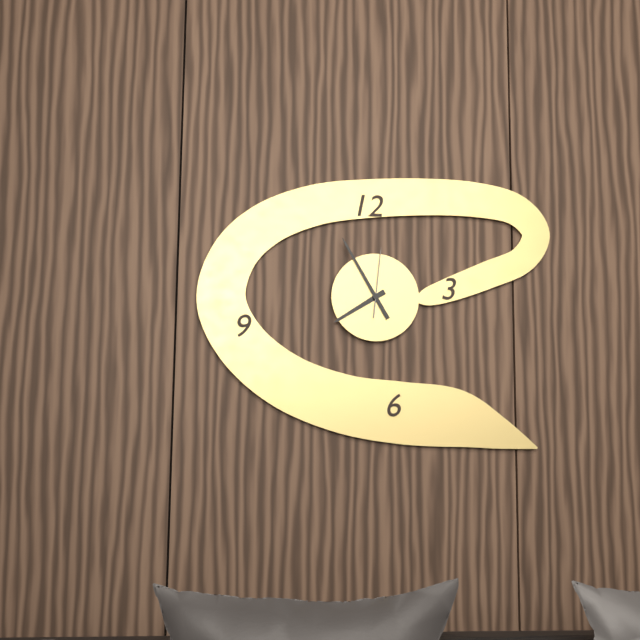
7:55:01
